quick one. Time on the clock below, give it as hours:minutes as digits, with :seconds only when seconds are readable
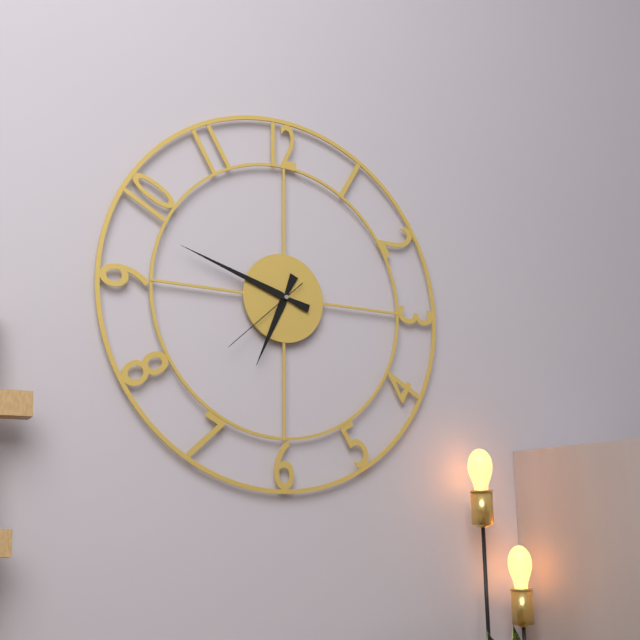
6:48:38
